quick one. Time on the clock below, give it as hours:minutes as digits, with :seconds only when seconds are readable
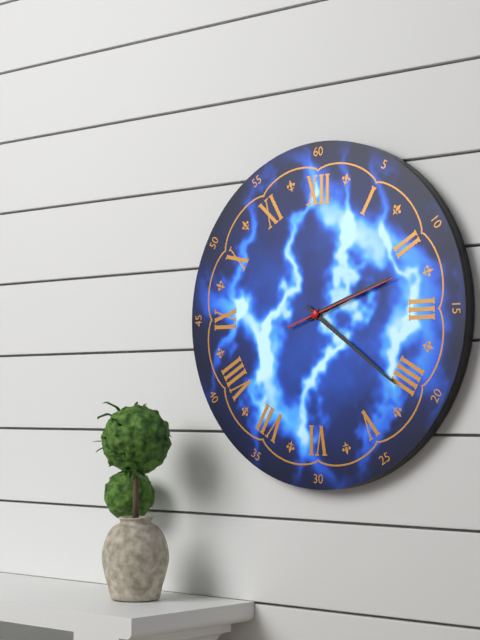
2:21:12
